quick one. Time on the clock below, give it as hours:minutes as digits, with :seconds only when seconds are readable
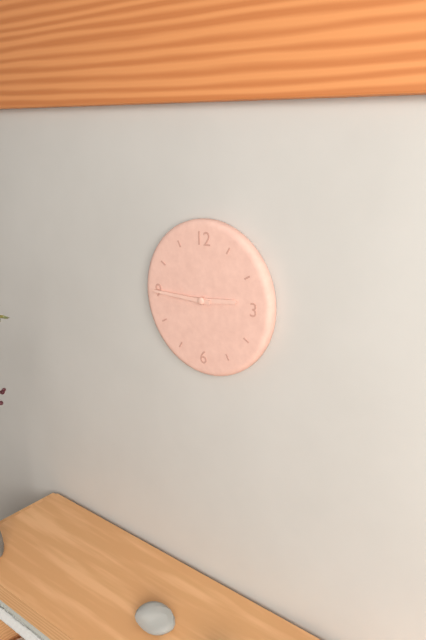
2:45
